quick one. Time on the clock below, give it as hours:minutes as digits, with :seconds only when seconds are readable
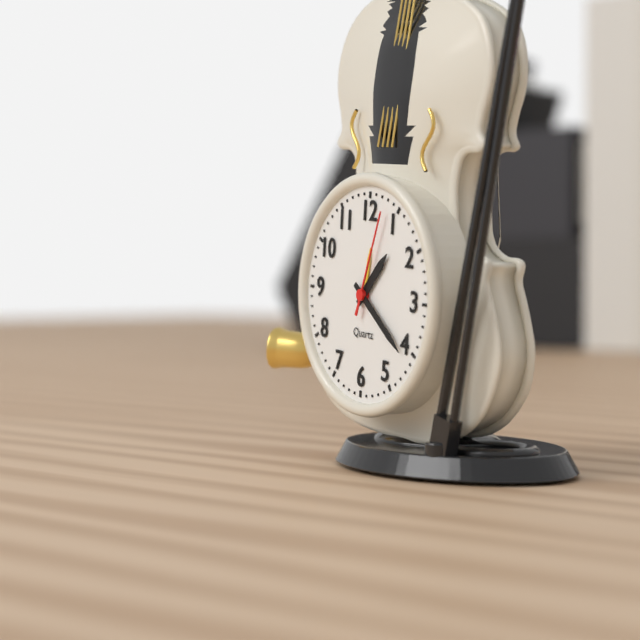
1:21:03
